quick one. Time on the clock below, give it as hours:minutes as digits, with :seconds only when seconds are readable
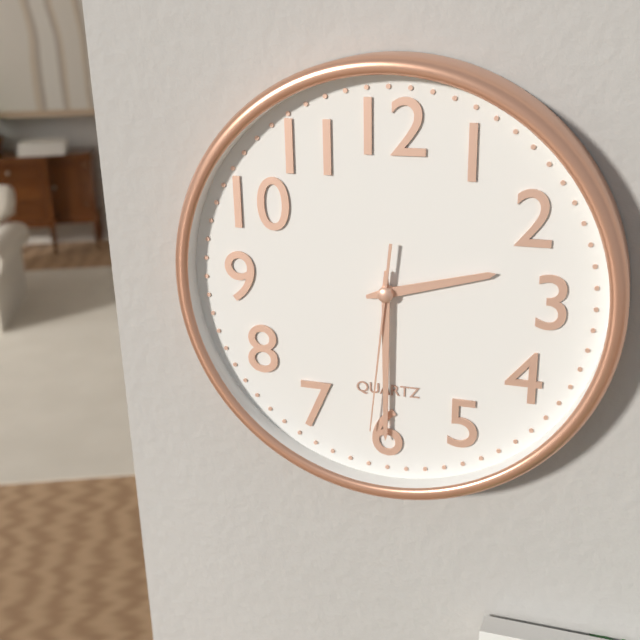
2:30:31
